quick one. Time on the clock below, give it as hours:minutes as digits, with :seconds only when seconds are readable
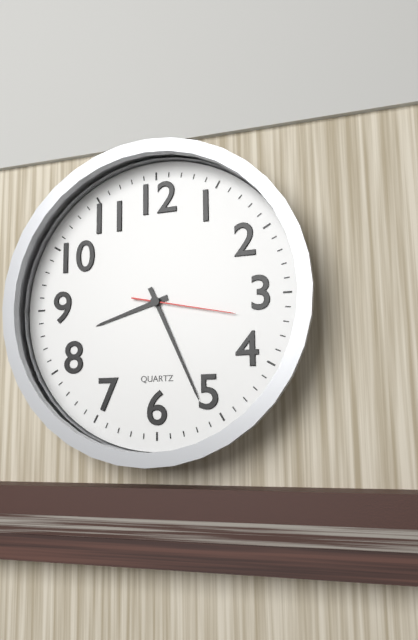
8:26:17
